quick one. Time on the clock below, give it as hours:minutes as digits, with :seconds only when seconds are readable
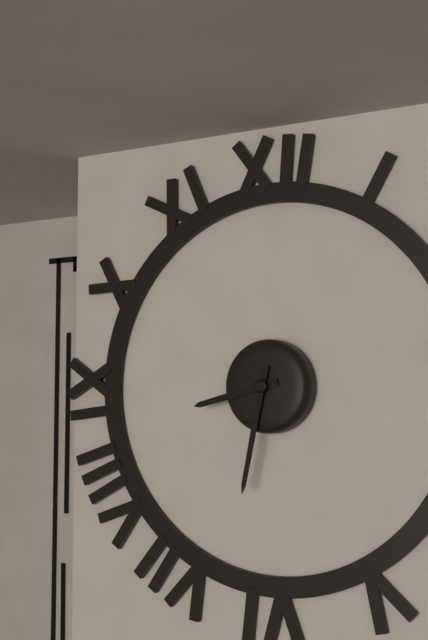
8:32
